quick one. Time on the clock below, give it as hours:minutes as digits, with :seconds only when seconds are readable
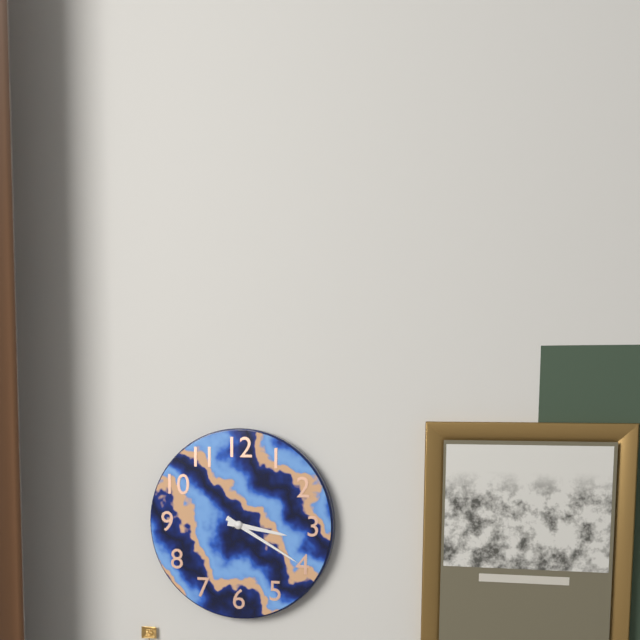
3:20
